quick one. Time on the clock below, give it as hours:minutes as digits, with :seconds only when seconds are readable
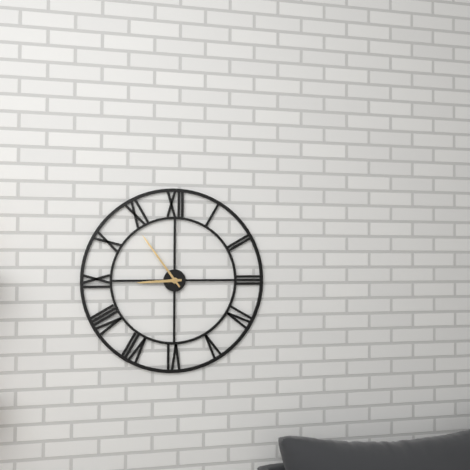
8:54
